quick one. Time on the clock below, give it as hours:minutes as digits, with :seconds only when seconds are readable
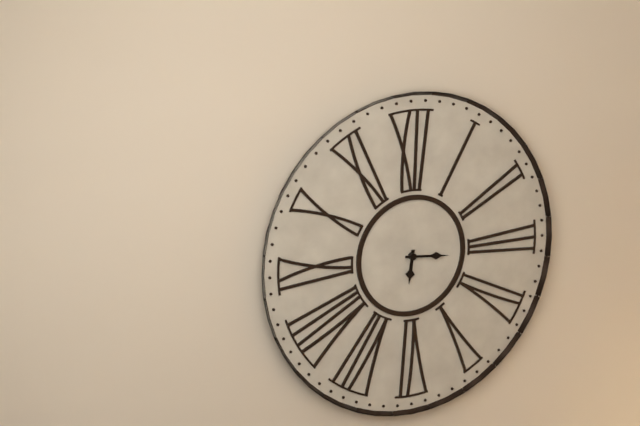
6:16
